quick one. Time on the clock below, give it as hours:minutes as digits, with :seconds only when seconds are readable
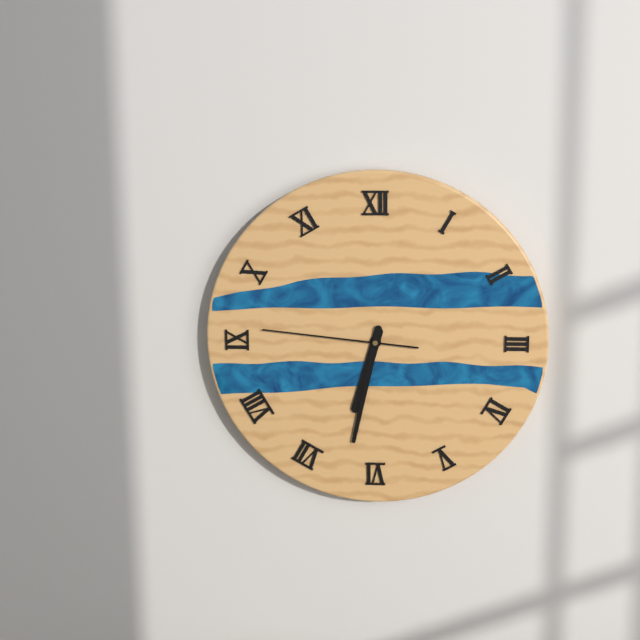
6:32:46
